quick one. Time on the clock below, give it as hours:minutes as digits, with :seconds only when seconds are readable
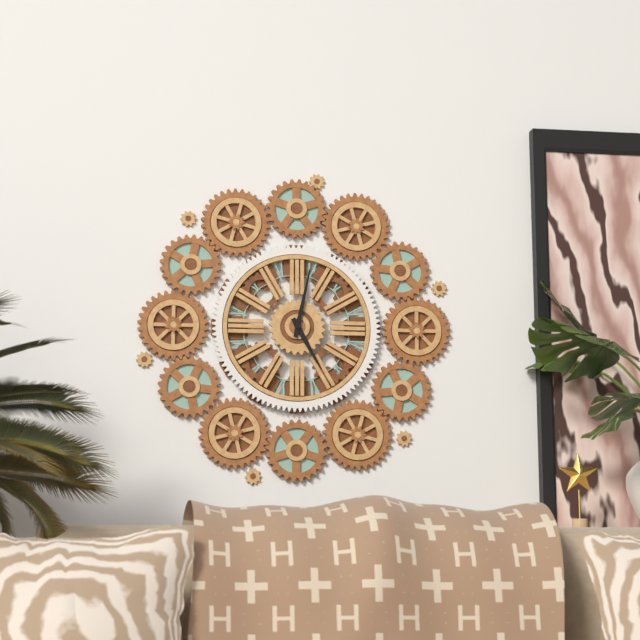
5:02
